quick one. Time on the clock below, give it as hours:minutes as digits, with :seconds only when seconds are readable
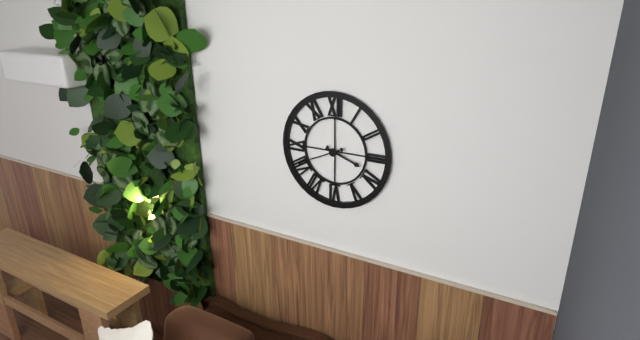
3:41
